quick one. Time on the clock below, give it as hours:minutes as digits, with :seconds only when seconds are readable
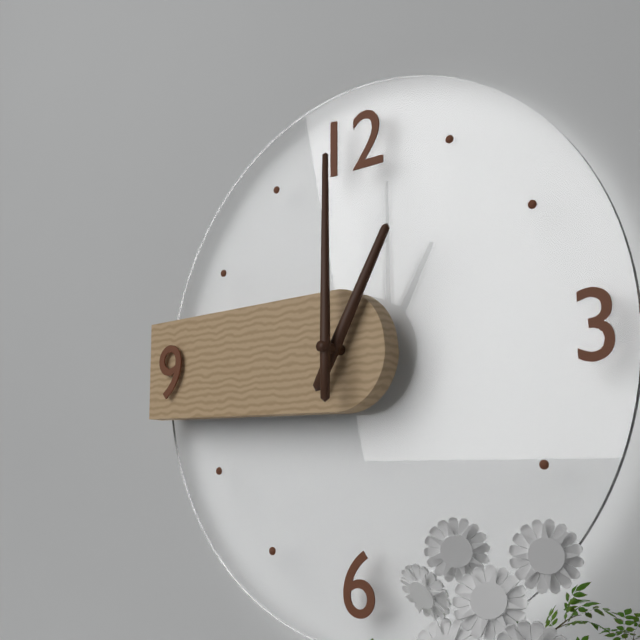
1:00
